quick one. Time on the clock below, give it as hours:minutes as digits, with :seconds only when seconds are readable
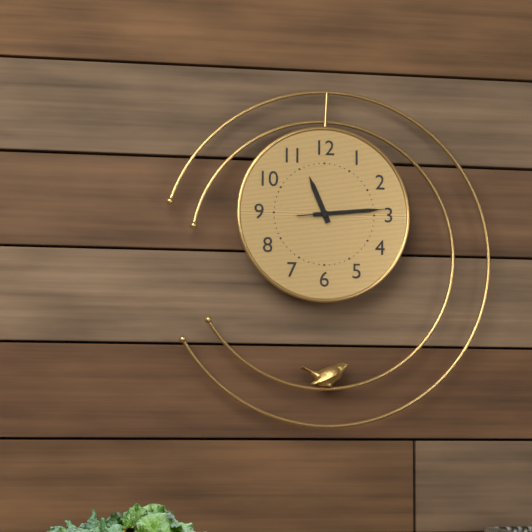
11:14:14
